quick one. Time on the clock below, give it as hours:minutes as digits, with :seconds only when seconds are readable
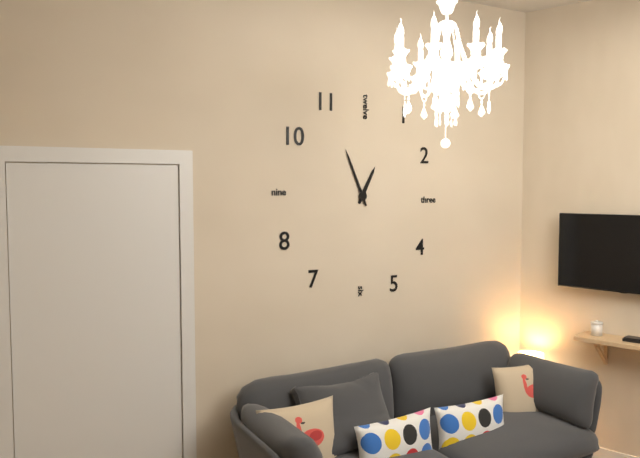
12:56
